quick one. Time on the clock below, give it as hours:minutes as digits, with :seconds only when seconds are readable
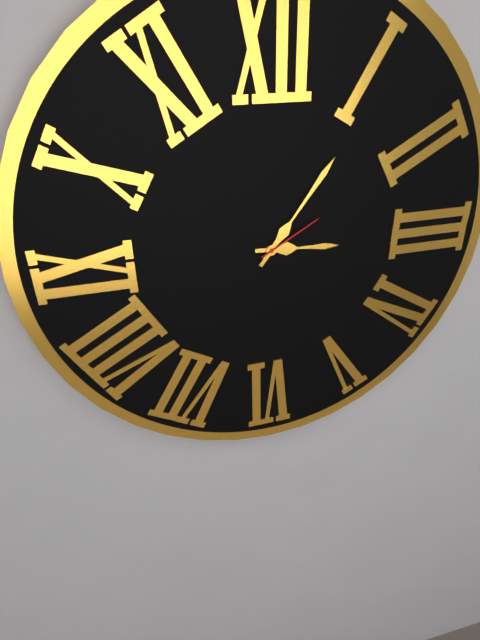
3:06:10
